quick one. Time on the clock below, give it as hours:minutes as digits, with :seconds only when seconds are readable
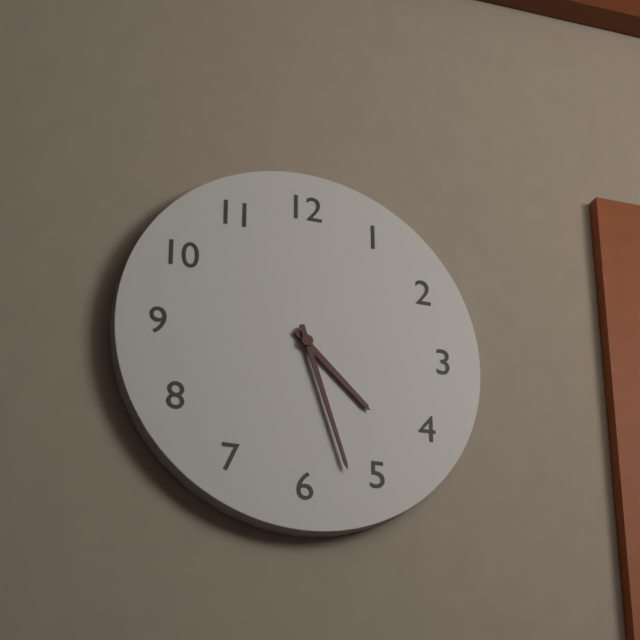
4:27
